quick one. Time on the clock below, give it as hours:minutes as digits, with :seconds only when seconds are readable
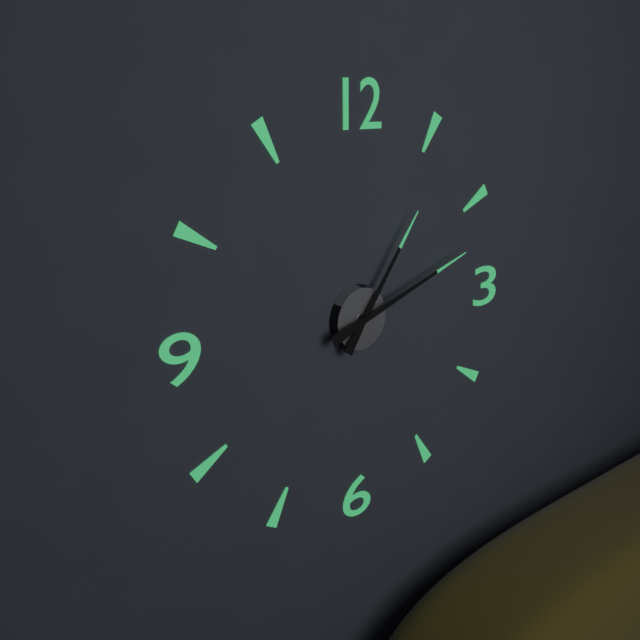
1:12
